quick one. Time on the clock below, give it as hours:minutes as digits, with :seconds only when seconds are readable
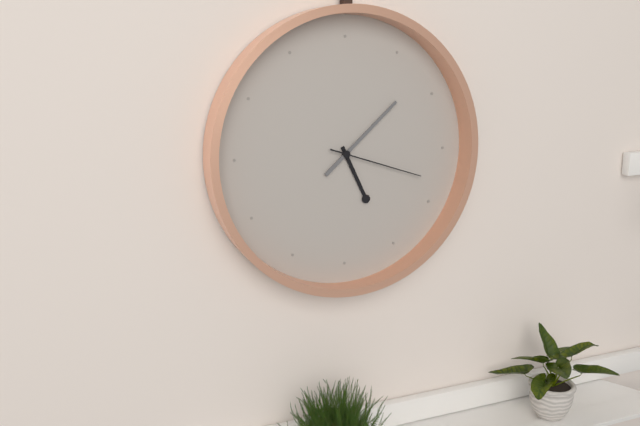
5:08:18
